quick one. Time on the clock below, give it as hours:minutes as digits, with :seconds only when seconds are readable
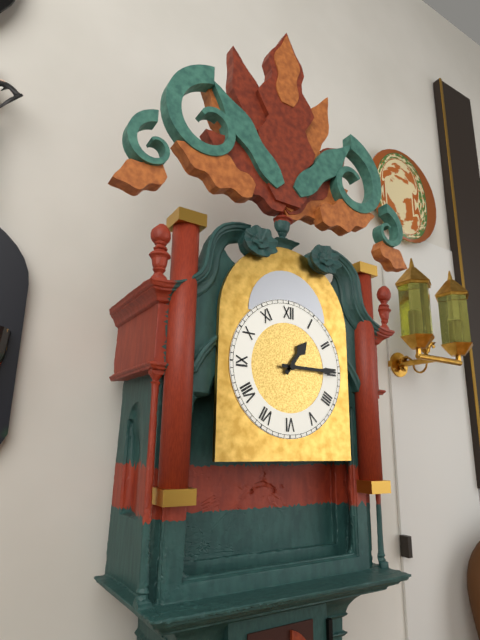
1:15
